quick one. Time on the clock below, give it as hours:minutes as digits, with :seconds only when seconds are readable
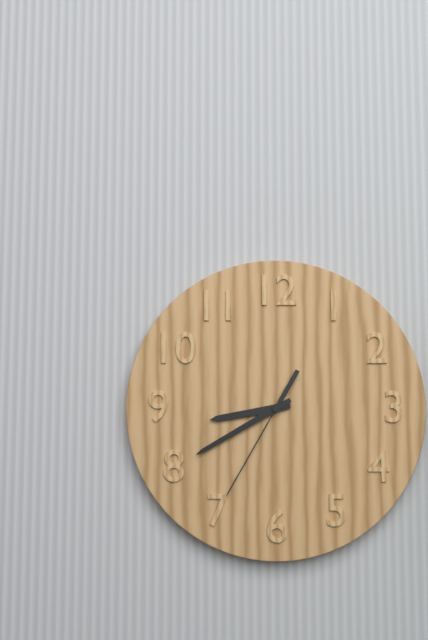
8:40:35
